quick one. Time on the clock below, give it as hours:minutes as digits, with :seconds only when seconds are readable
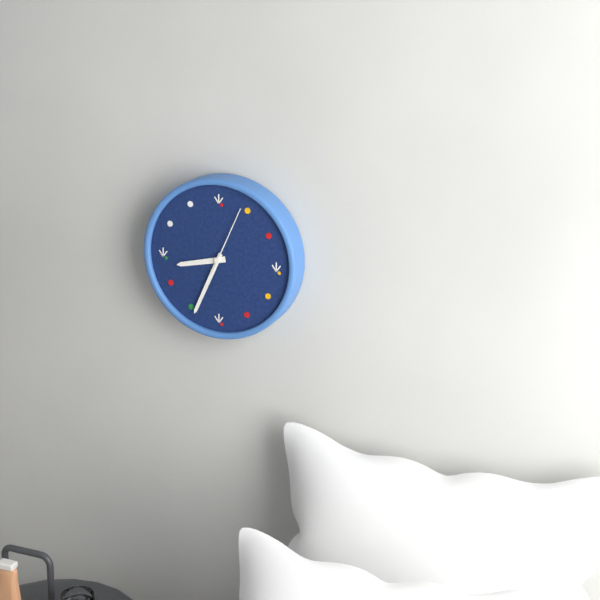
8:34:04
